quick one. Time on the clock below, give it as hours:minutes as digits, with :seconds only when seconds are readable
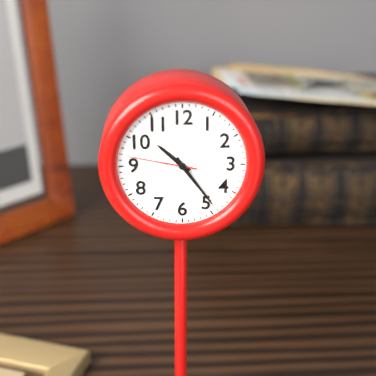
10:24:47
